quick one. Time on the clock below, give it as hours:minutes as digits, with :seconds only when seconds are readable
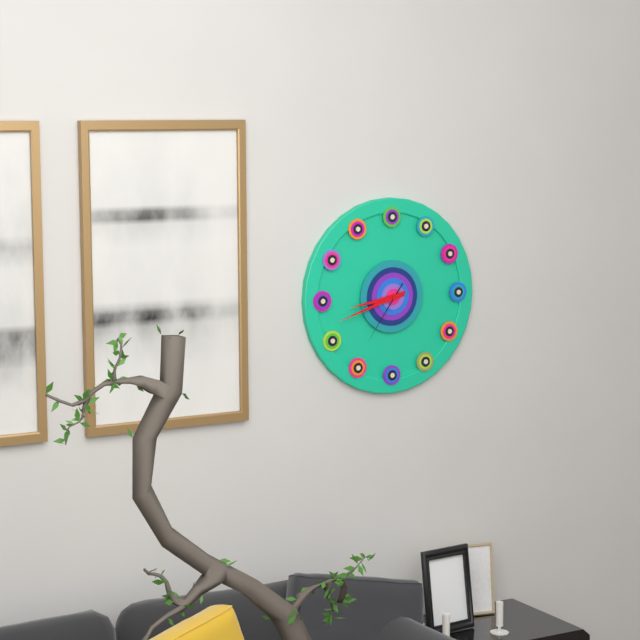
8:42:36
